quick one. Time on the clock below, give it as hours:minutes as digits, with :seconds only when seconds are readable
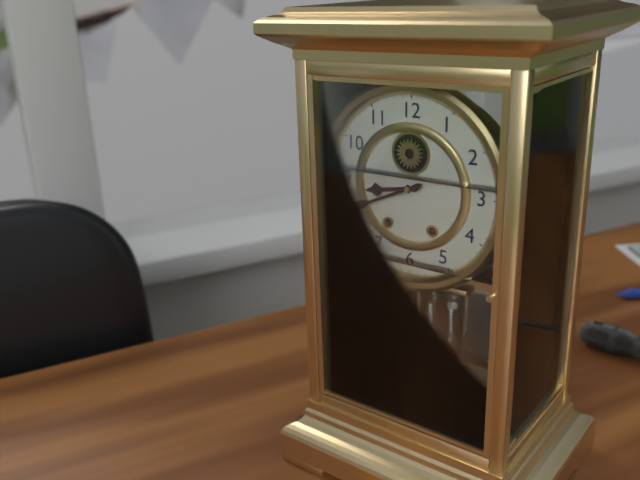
8:41
